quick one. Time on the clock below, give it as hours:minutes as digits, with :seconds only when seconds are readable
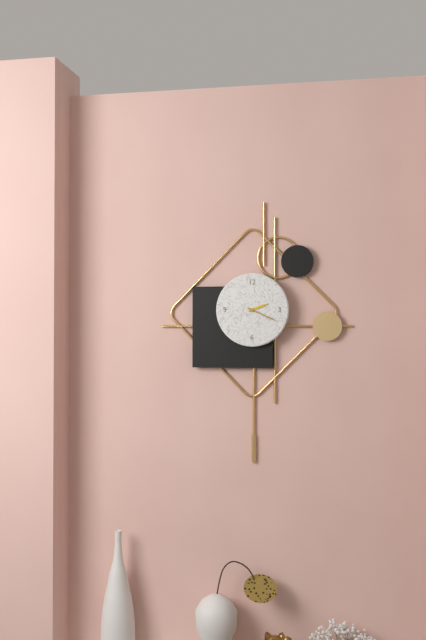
2:19
